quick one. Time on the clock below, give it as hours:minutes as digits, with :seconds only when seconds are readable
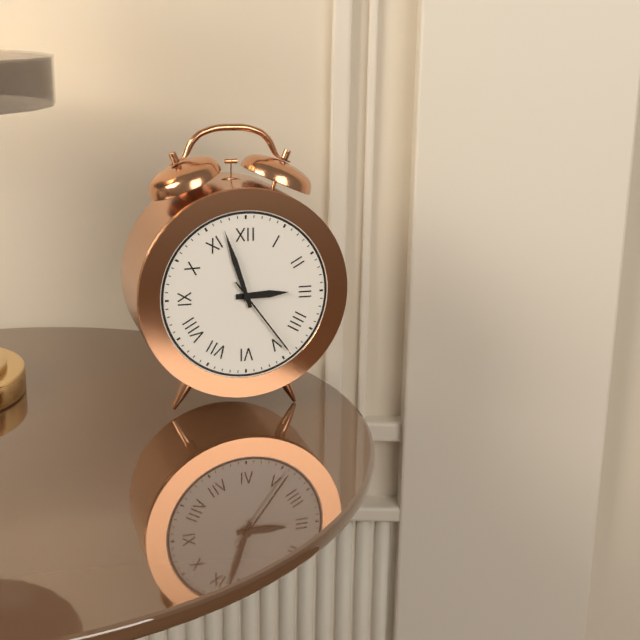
2:57:24
